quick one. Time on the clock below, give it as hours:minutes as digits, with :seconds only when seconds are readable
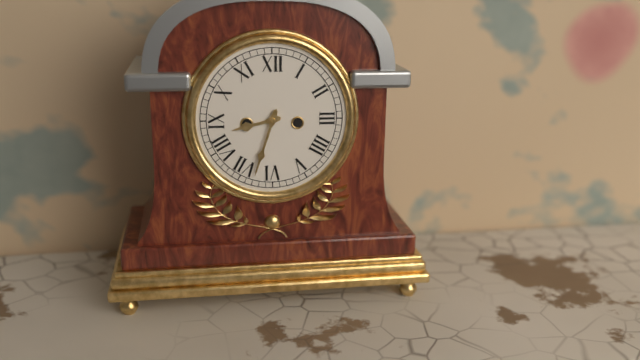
8:33
